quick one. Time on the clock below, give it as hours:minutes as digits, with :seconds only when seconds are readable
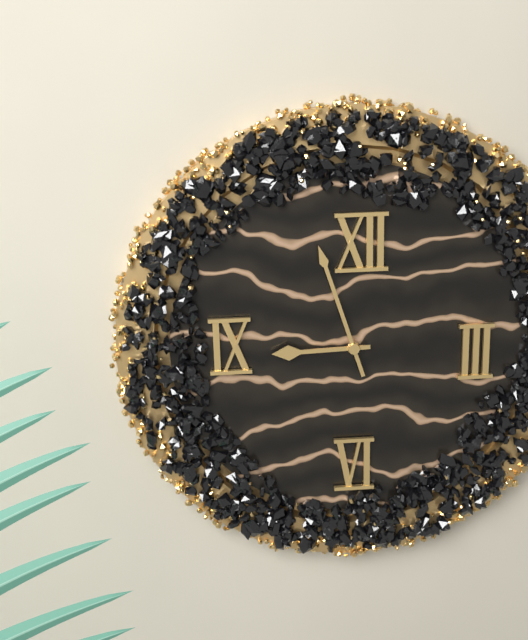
8:57
